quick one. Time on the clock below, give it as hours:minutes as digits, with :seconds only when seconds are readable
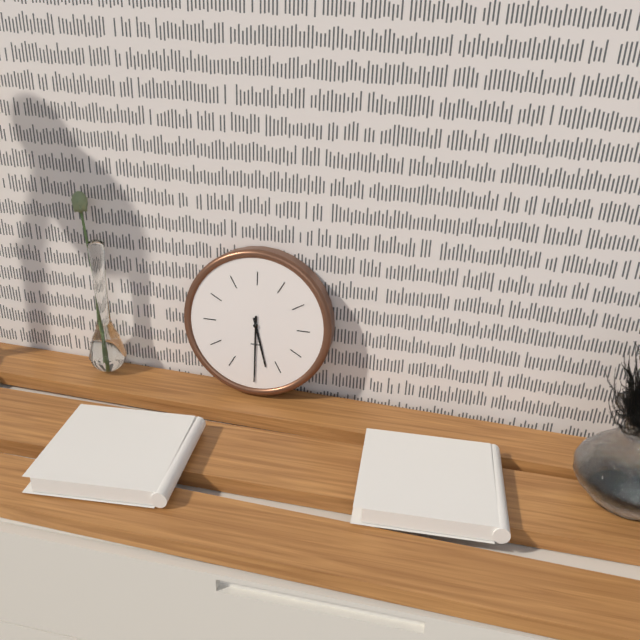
5:30
